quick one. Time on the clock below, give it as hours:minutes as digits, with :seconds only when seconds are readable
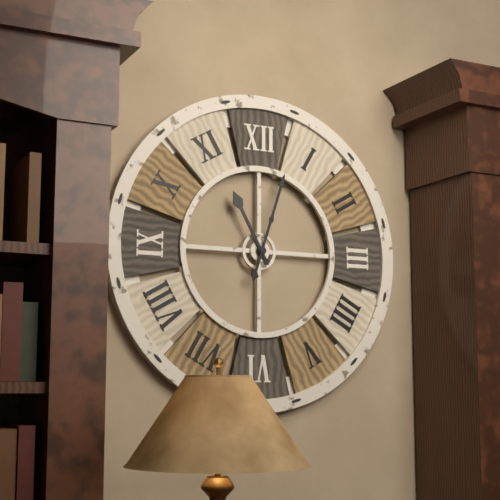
11:03
